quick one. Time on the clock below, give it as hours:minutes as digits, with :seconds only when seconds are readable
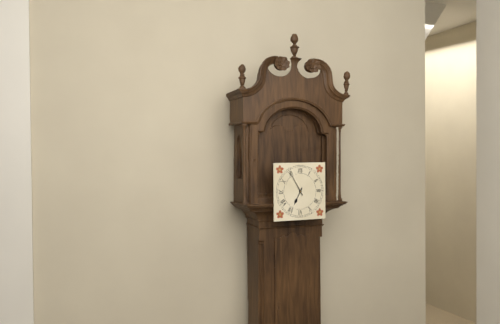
6:55
